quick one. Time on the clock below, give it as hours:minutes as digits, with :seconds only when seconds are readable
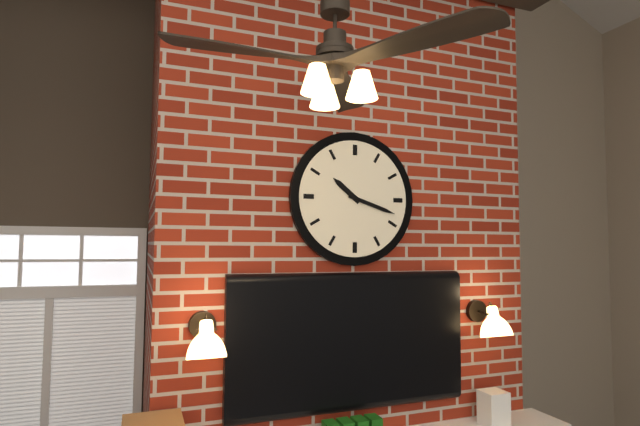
10:18
